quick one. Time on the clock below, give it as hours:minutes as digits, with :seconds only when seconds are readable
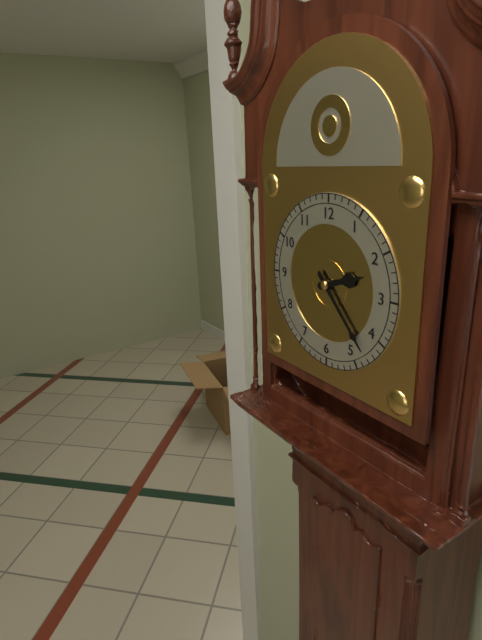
2:23
